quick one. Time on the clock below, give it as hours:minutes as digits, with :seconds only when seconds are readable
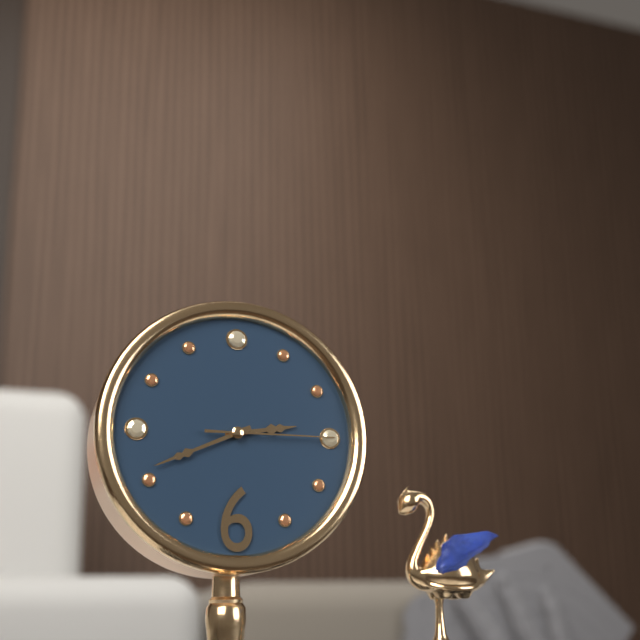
2:41:15
